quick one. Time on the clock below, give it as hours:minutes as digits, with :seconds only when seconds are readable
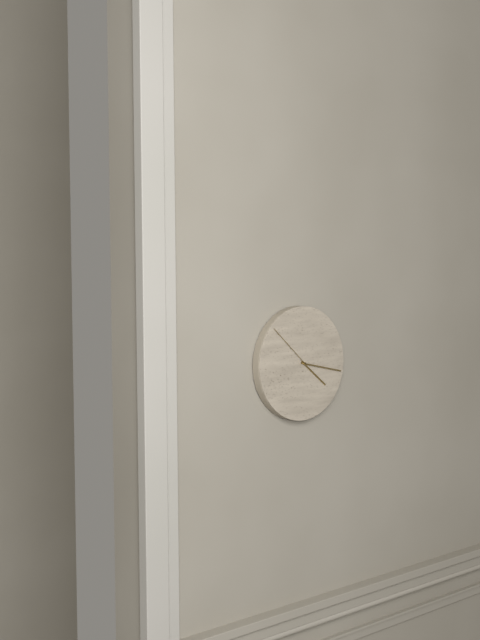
4:17:52
